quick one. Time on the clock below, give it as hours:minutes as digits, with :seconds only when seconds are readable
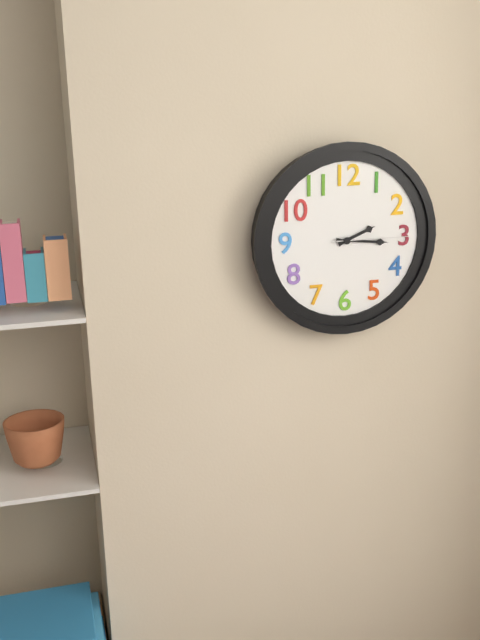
2:16:15
